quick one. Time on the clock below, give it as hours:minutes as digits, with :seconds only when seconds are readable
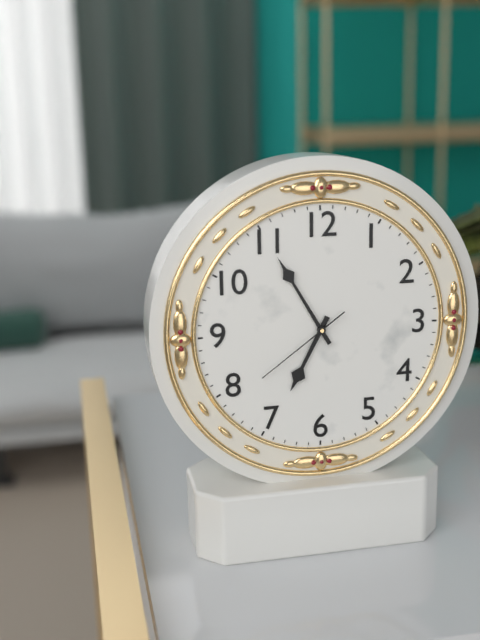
6:55:39
